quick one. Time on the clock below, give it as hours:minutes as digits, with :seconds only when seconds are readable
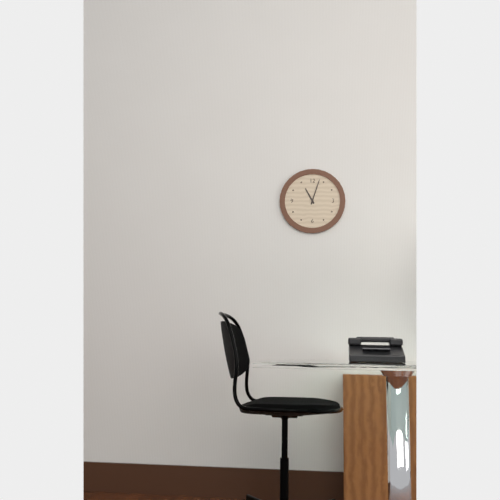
11:03
